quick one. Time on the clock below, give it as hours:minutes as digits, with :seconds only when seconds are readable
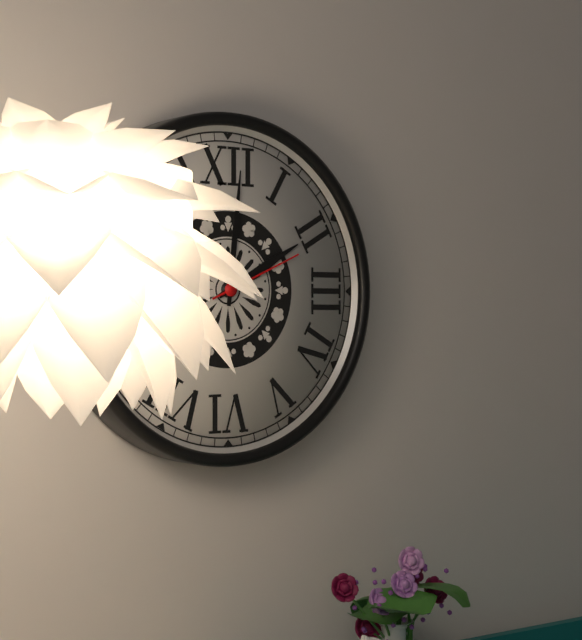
2:01:11
